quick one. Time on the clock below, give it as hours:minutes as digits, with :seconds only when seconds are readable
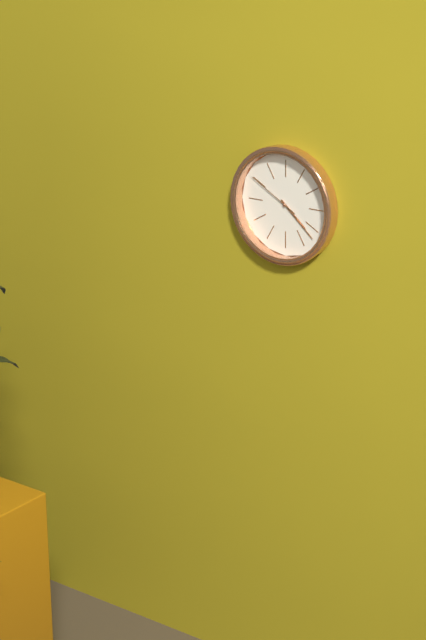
4:22:50
